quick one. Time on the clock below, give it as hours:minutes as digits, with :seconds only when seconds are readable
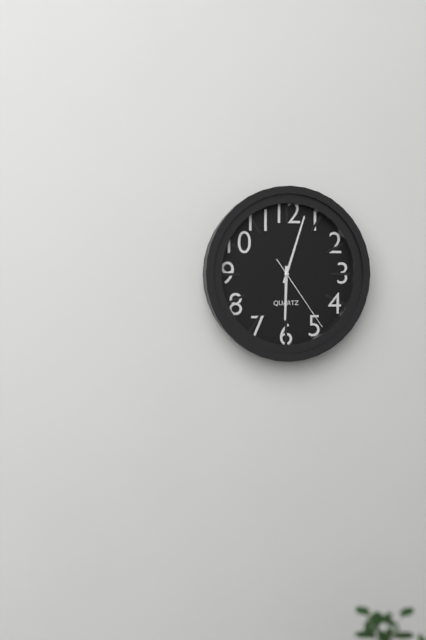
6:03:24
